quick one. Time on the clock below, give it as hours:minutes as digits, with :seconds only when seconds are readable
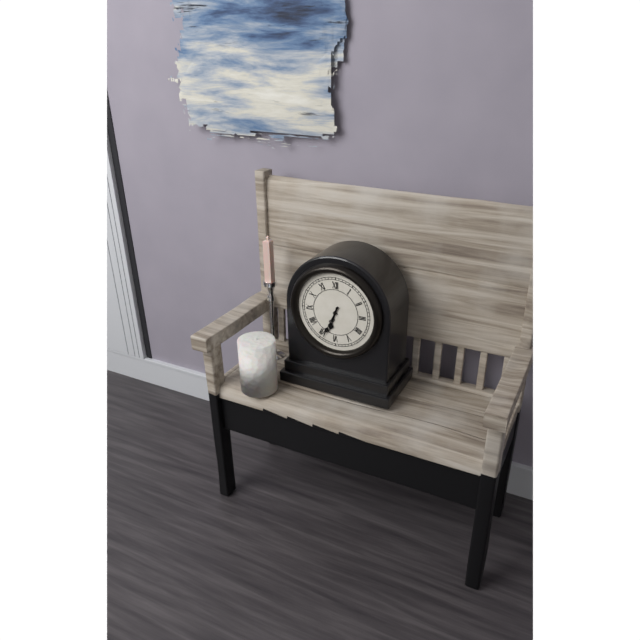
6:34
